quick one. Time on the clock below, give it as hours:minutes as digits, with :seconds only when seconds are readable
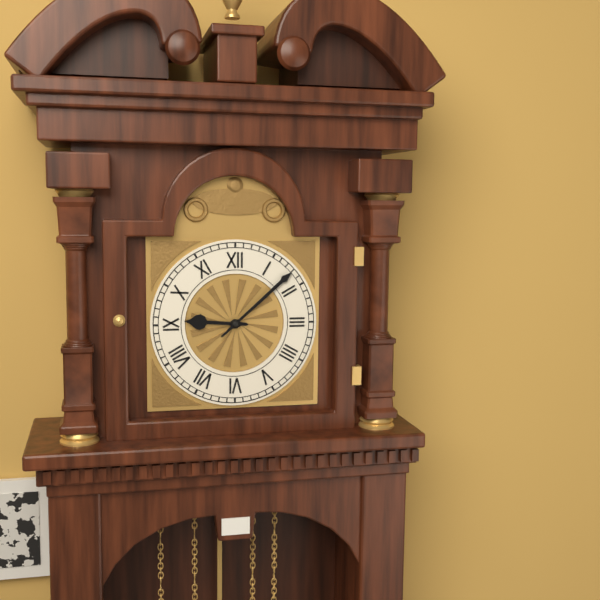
9:08
